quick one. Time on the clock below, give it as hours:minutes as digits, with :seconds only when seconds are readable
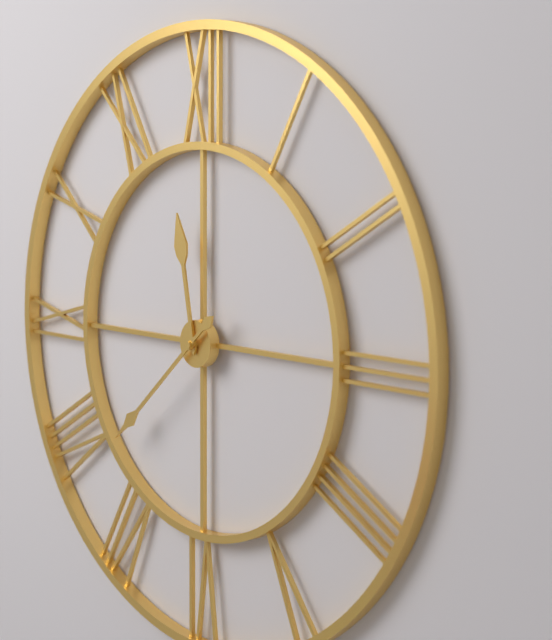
11:38
